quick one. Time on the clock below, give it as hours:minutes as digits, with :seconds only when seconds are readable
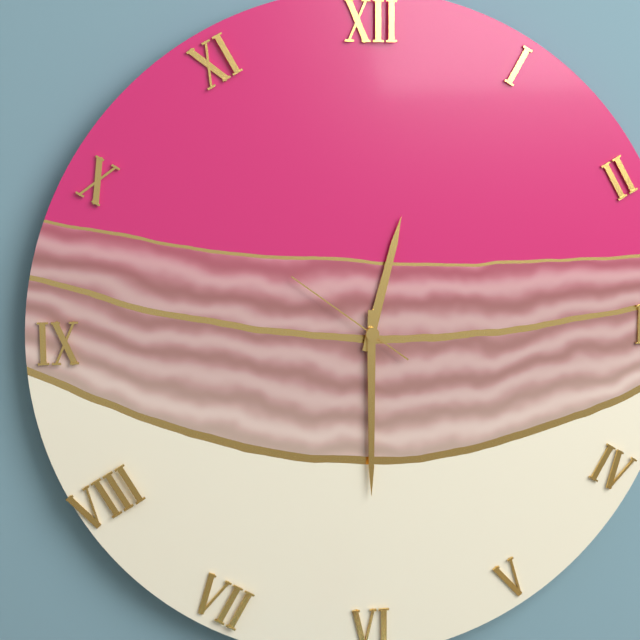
12:30:51
